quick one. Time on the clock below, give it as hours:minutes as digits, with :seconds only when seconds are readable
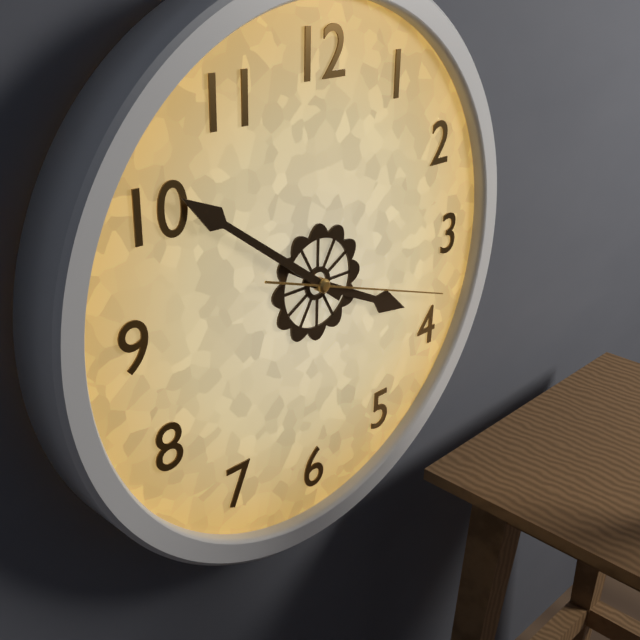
3:51:18
